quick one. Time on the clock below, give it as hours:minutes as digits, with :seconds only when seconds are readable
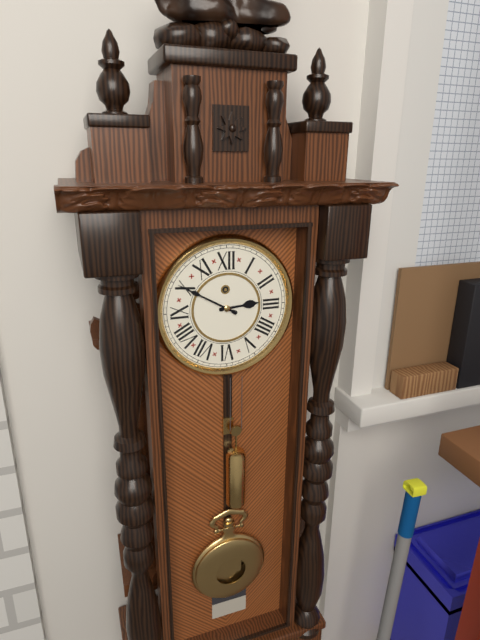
2:50
